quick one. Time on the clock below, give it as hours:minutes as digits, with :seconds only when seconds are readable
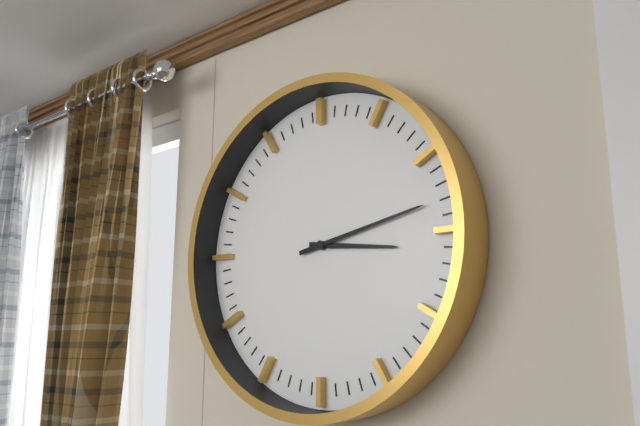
3:13
